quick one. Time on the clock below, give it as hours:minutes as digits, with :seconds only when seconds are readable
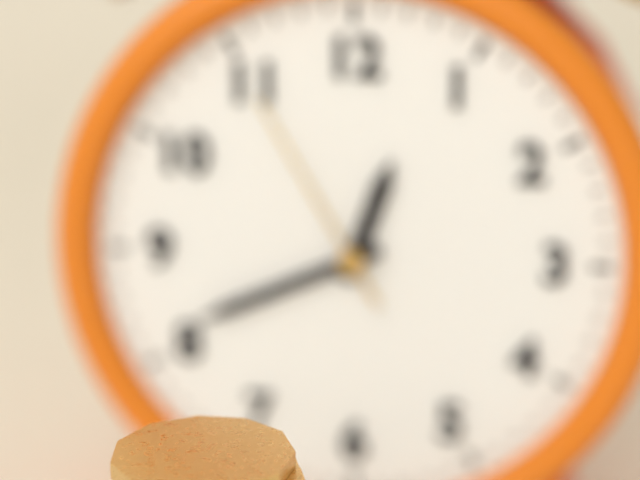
12:41:55
